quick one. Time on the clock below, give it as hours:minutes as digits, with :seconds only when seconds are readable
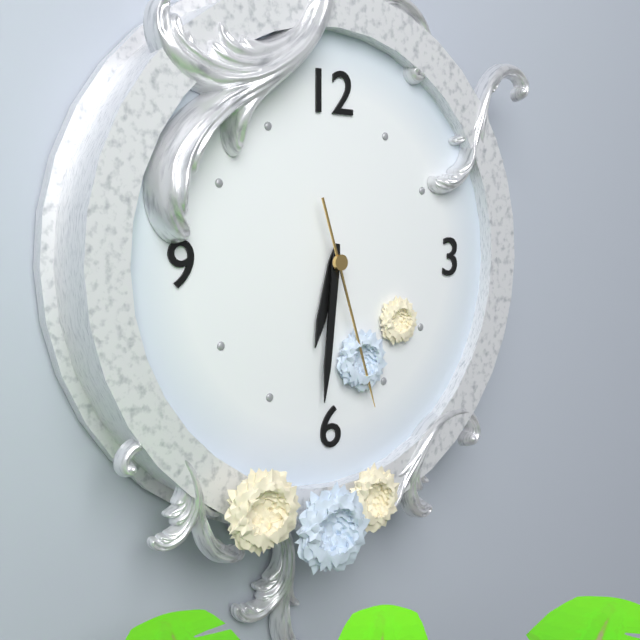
6:31:27
